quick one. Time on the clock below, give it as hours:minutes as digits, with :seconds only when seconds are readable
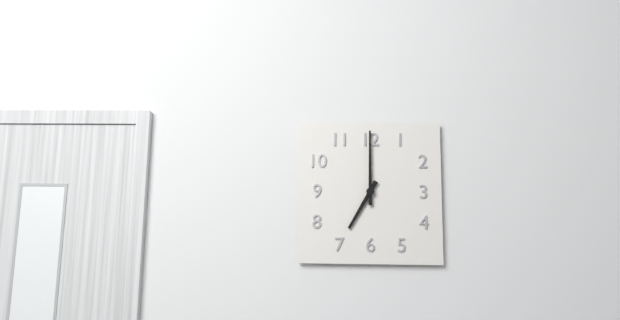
7:00
